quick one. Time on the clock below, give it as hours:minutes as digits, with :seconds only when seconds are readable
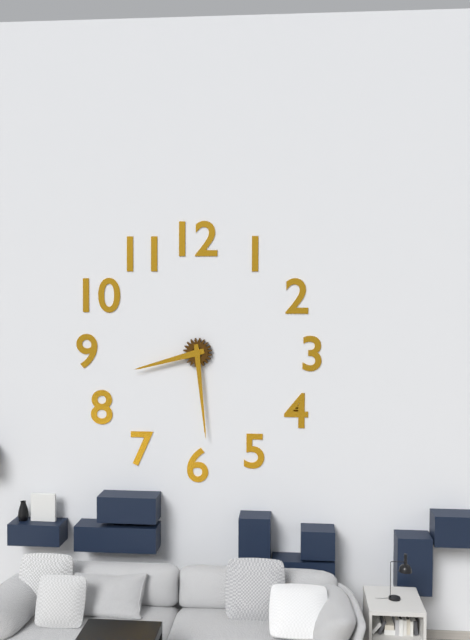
8:29
